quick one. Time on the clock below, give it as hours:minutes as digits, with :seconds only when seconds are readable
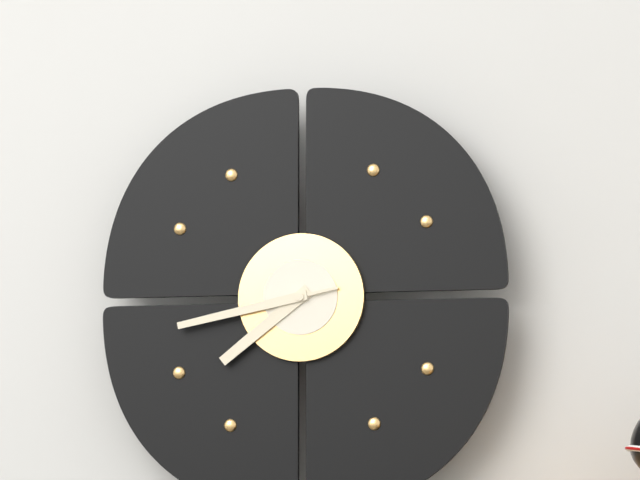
7:43
